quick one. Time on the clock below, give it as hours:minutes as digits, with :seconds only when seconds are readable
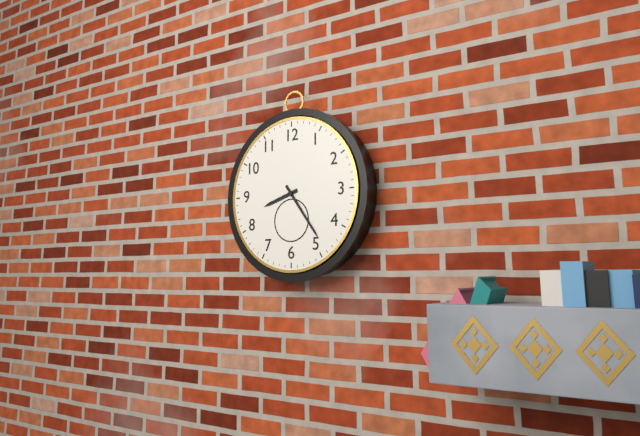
8:24
